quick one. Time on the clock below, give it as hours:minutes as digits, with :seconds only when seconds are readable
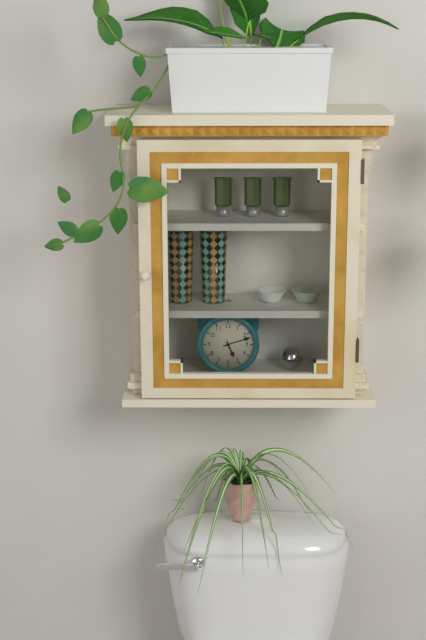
5:12
